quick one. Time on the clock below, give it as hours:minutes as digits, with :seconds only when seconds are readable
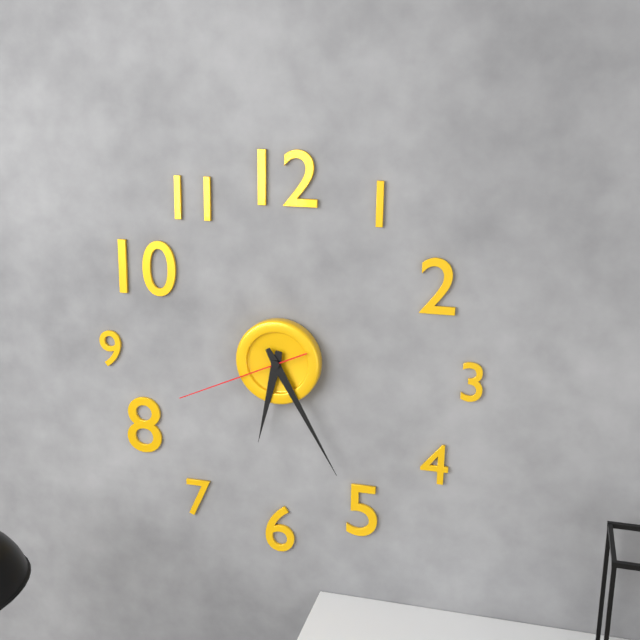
6:25:41
